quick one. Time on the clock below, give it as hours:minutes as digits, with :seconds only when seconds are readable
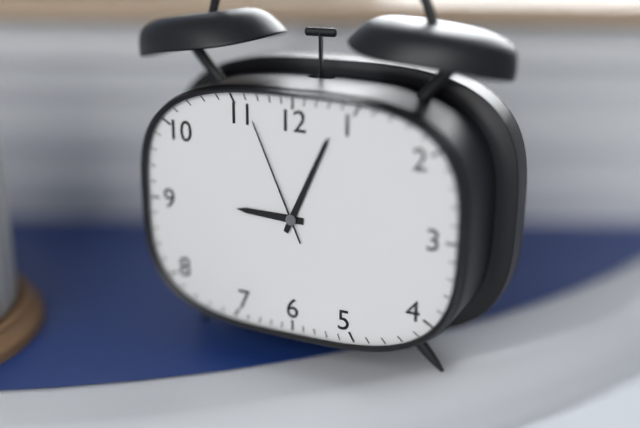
9:04:56
